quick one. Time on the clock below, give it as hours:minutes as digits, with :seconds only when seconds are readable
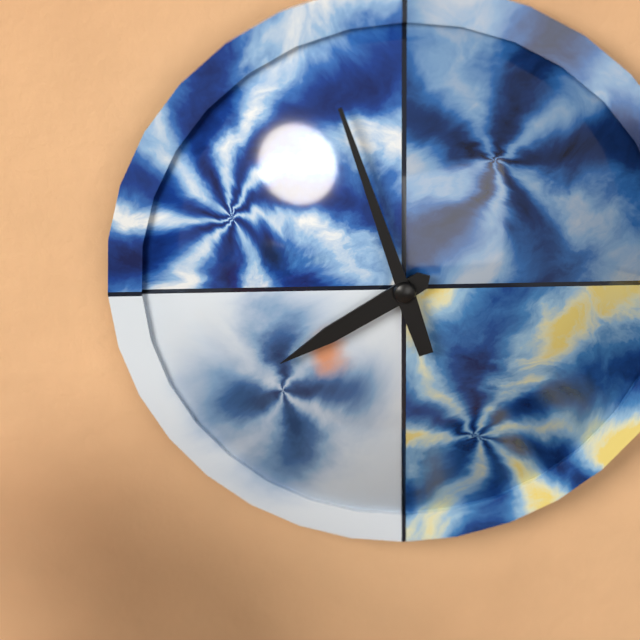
7:57
